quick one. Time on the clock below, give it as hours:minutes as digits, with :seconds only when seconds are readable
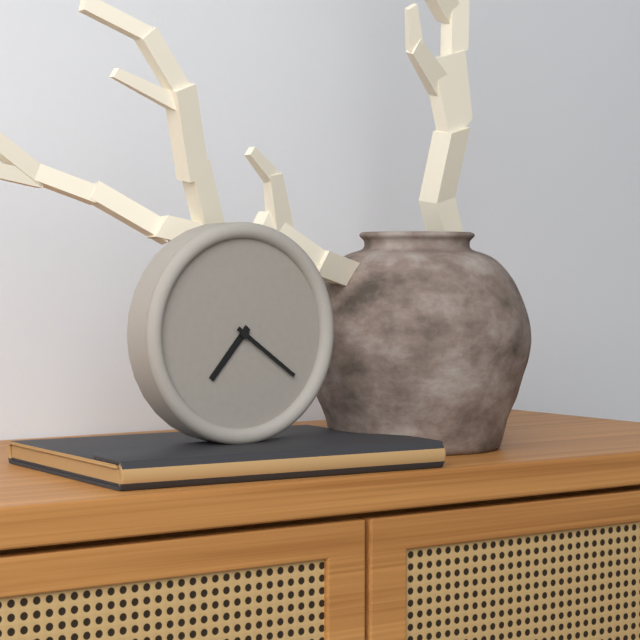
7:21
